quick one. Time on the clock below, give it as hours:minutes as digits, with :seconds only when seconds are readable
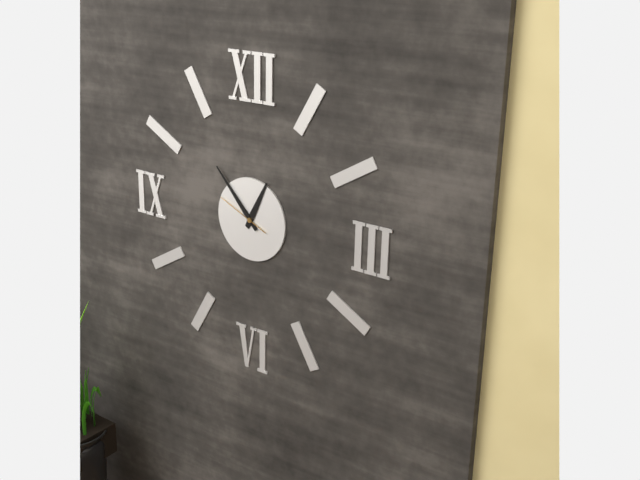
12:53
